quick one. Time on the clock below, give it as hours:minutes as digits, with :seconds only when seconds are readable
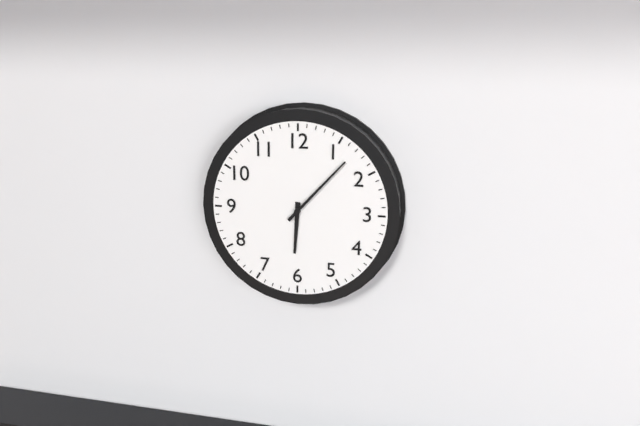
6:07
